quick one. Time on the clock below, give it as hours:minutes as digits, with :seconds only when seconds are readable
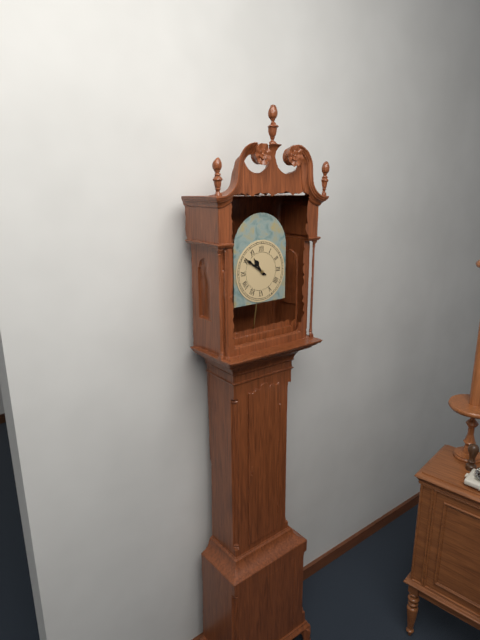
10:51
